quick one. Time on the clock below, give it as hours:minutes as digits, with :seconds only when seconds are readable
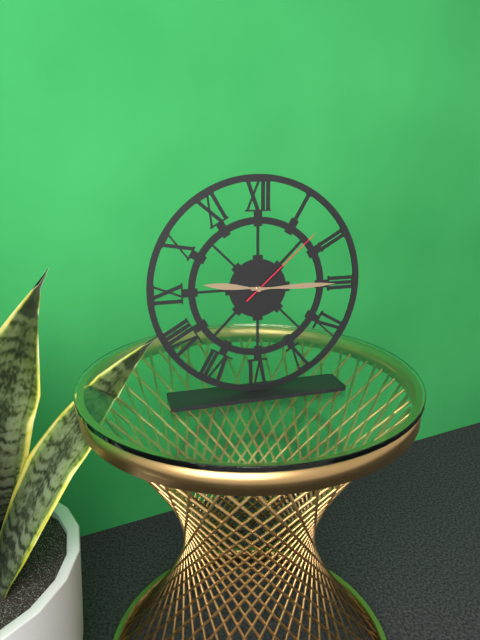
9:15:08
